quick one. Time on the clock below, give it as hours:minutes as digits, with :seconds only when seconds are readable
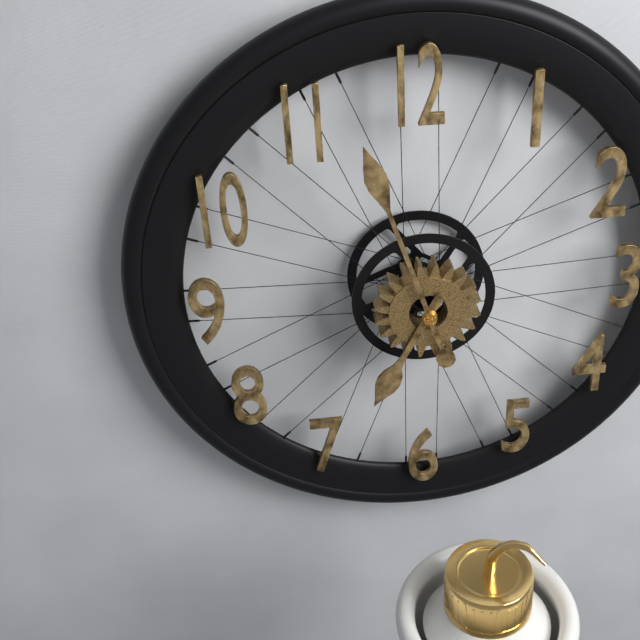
6:57
